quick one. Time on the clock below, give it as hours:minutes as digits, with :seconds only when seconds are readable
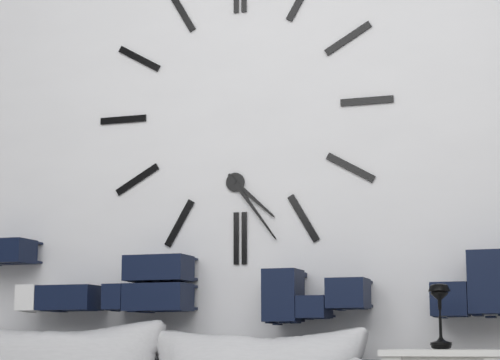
4:24
